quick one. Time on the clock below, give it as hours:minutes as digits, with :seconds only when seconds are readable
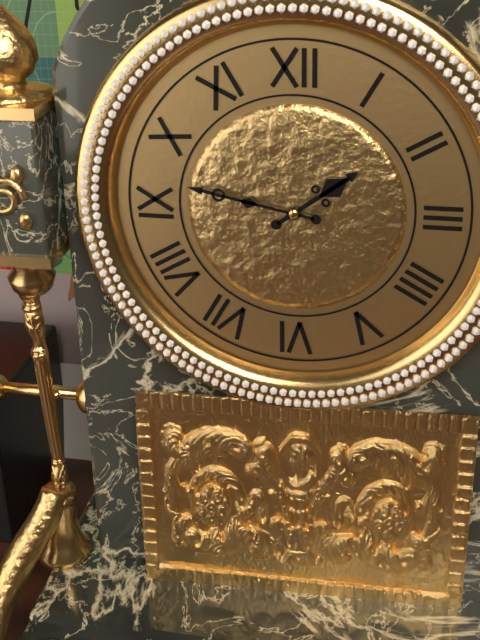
1:47
